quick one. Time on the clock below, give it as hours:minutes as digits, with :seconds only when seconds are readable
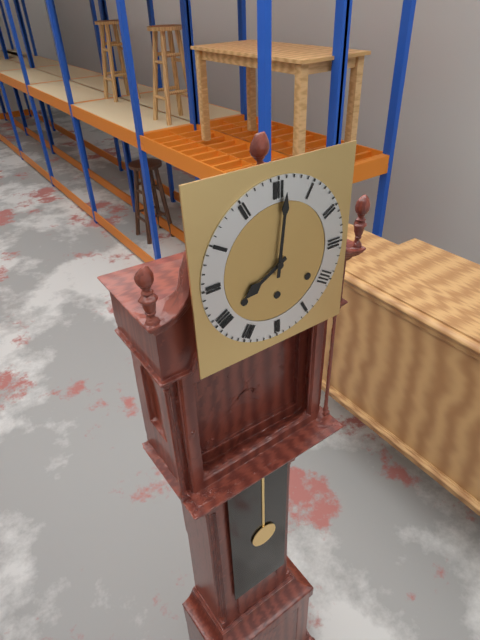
8:01
